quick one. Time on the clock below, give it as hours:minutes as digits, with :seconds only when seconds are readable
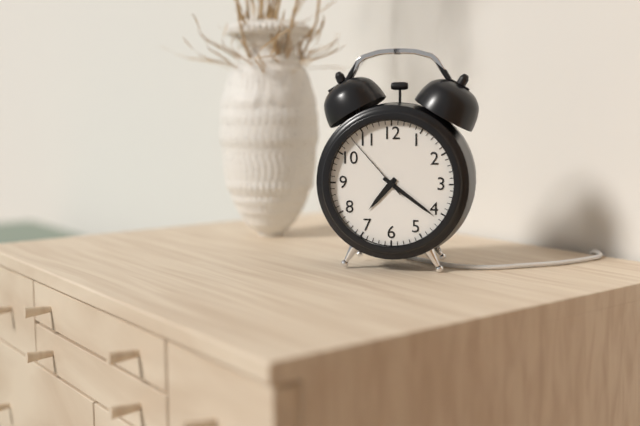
7:21:53
